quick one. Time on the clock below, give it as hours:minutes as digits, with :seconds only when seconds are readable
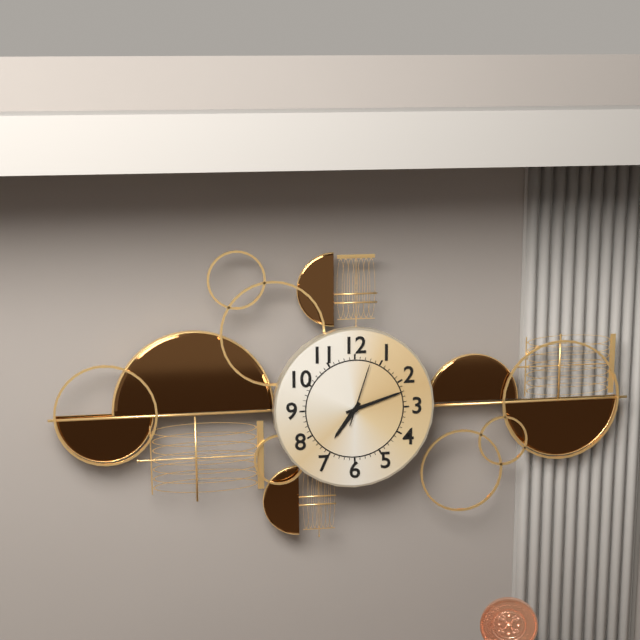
7:12:03
